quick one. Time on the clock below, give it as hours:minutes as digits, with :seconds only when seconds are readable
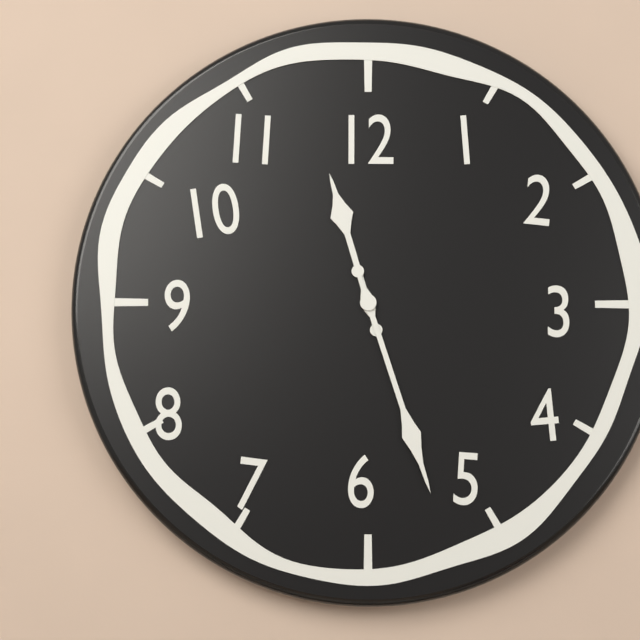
11:27
